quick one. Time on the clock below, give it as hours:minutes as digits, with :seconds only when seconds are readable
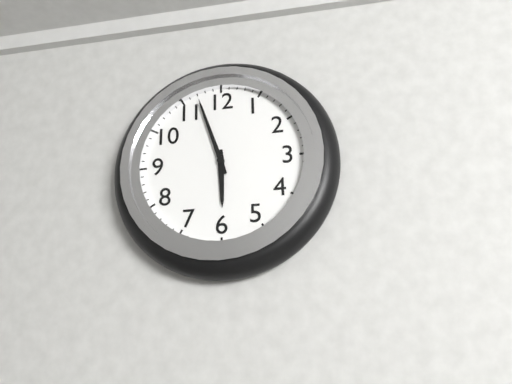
5:57
